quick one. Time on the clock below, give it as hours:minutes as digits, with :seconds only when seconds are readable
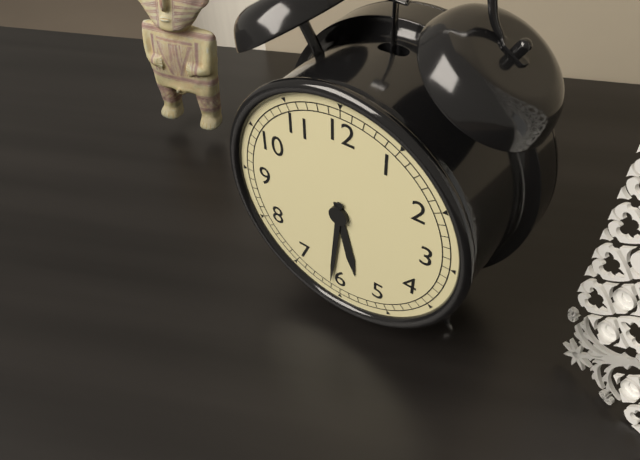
5:31
